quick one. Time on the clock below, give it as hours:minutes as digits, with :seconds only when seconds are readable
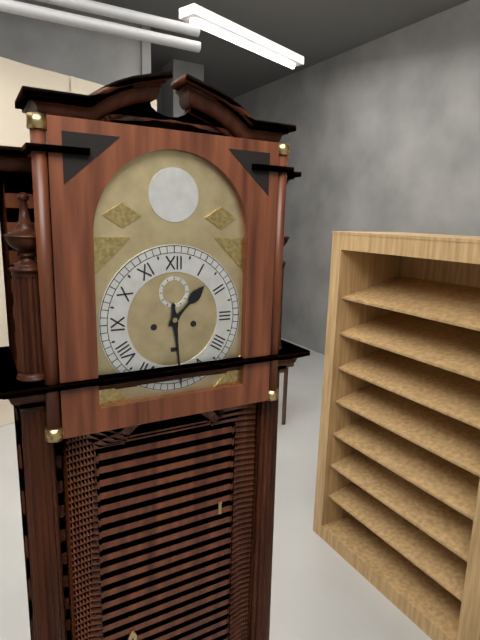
1:29
